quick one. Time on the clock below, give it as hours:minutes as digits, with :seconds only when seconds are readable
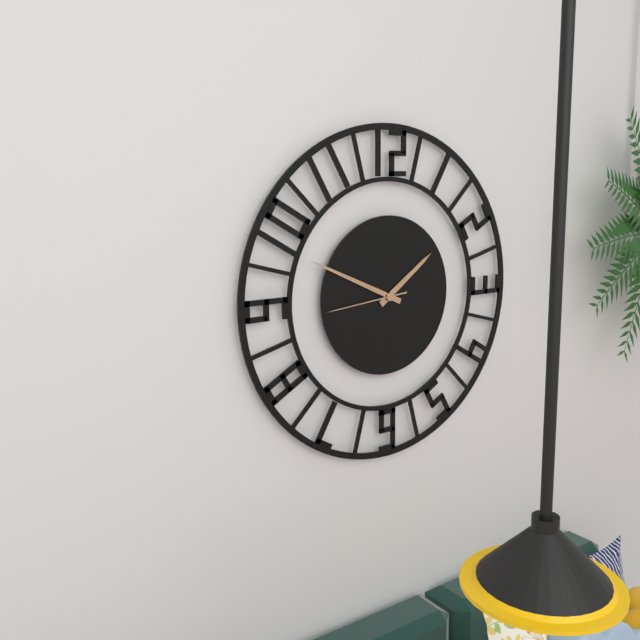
1:49:44
